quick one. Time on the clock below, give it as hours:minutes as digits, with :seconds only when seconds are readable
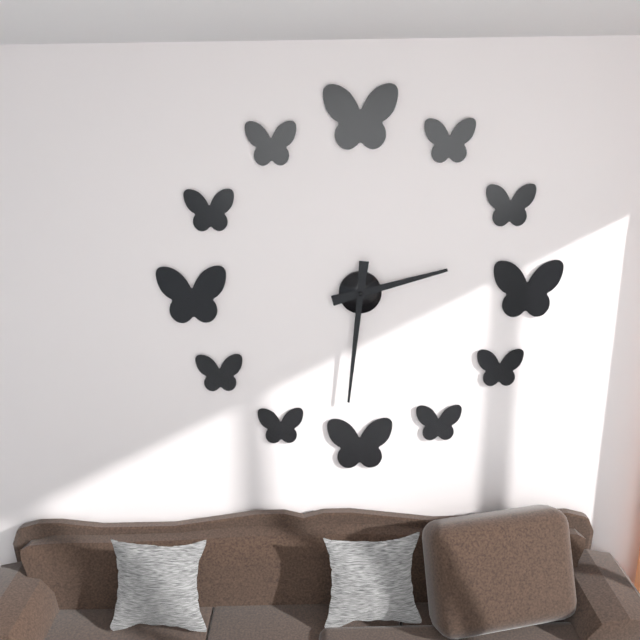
2:31
